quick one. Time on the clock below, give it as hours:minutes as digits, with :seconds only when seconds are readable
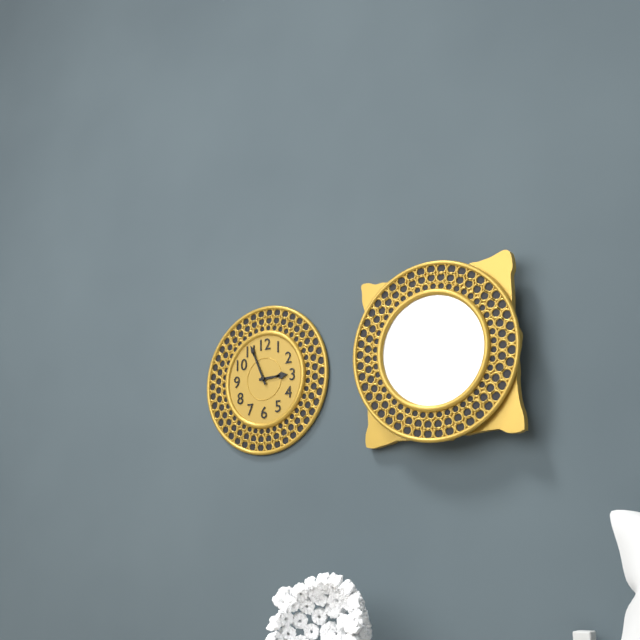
2:56
